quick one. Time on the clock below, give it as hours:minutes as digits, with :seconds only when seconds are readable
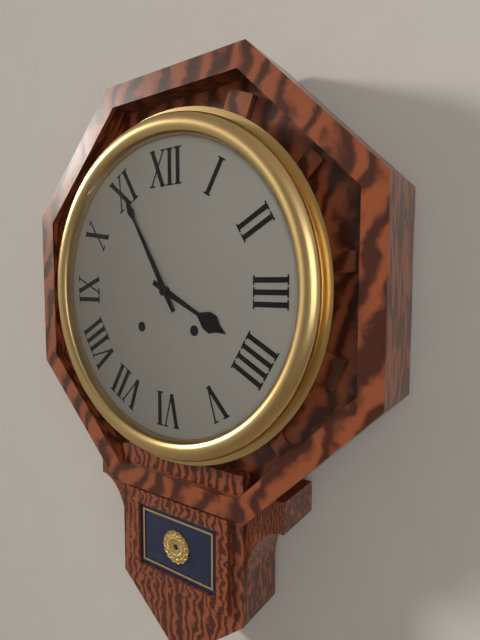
3:55
